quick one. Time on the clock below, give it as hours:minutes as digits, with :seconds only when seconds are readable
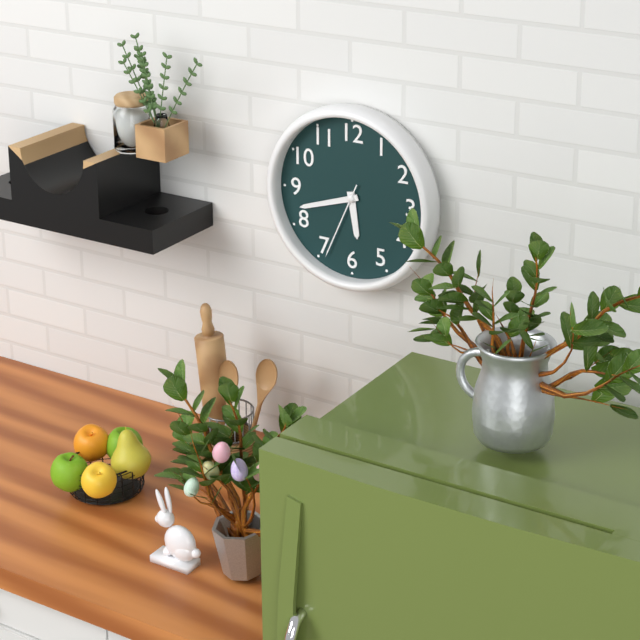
5:42:34
